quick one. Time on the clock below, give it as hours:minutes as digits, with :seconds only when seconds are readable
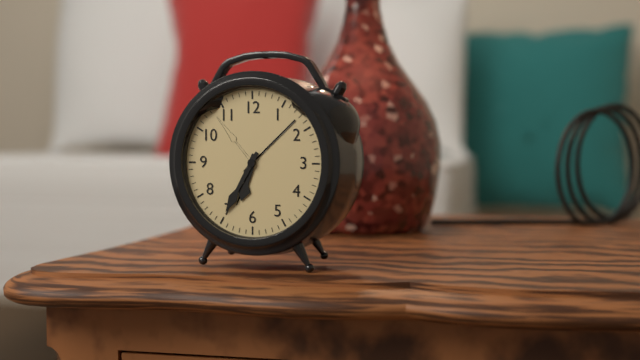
6:35
